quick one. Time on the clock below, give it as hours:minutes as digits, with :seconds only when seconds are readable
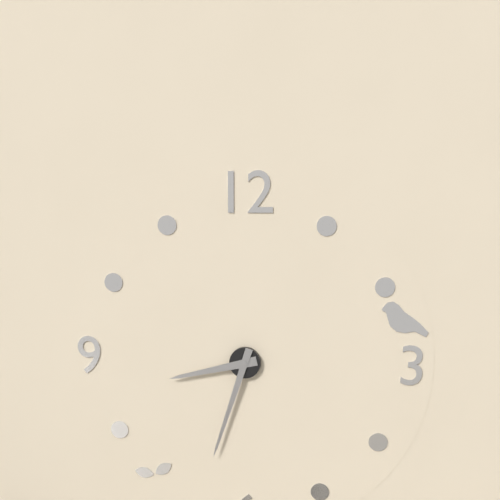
8:33
